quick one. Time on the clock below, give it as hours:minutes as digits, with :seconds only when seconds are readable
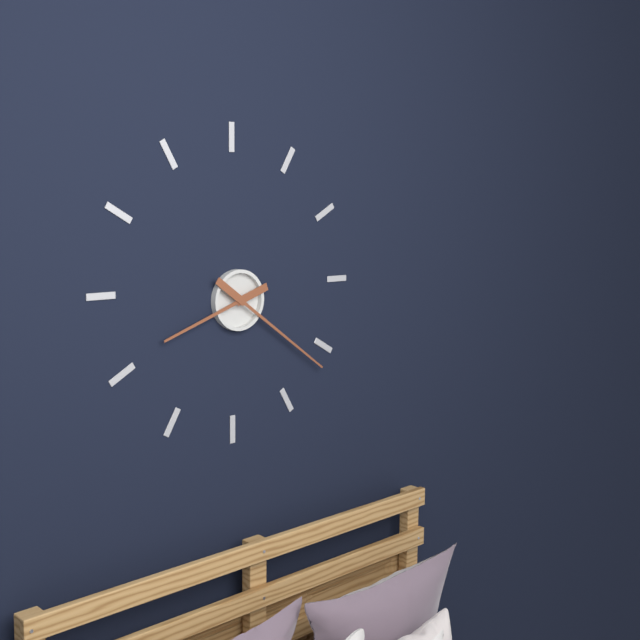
8:21
